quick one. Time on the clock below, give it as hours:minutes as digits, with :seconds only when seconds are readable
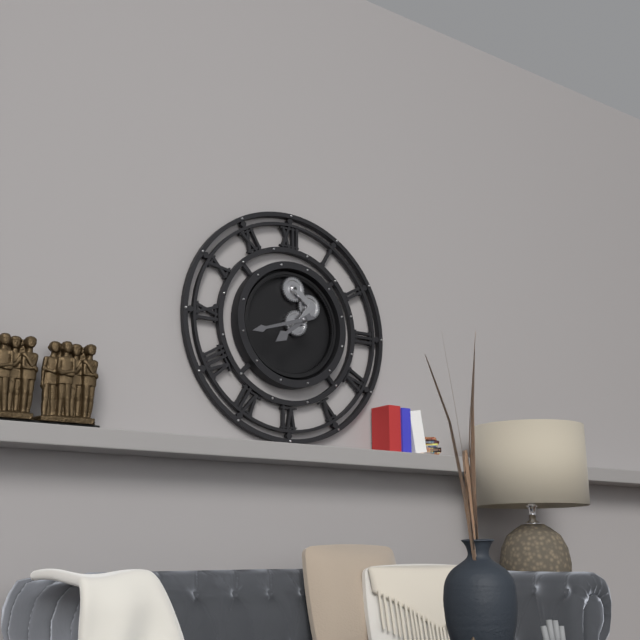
7:42
